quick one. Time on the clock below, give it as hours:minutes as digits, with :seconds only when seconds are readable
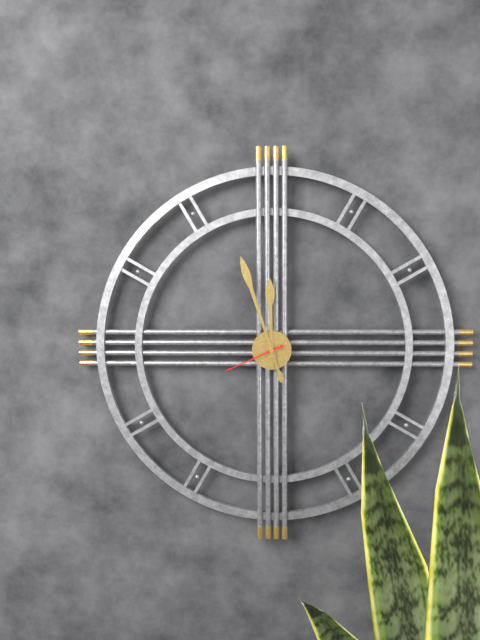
11:57:41
